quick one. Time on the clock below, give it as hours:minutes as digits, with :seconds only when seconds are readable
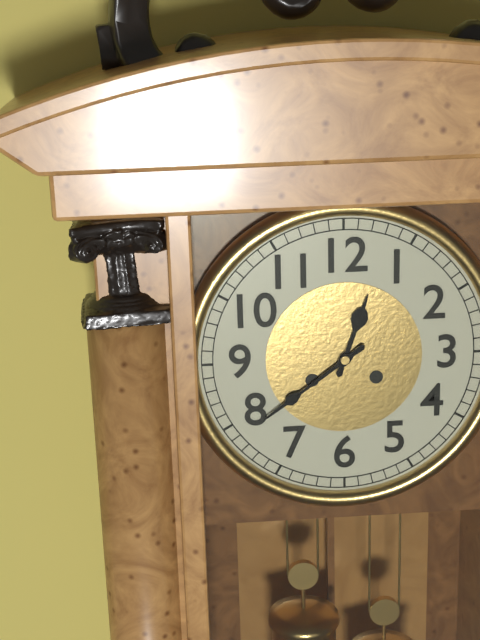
12:39
